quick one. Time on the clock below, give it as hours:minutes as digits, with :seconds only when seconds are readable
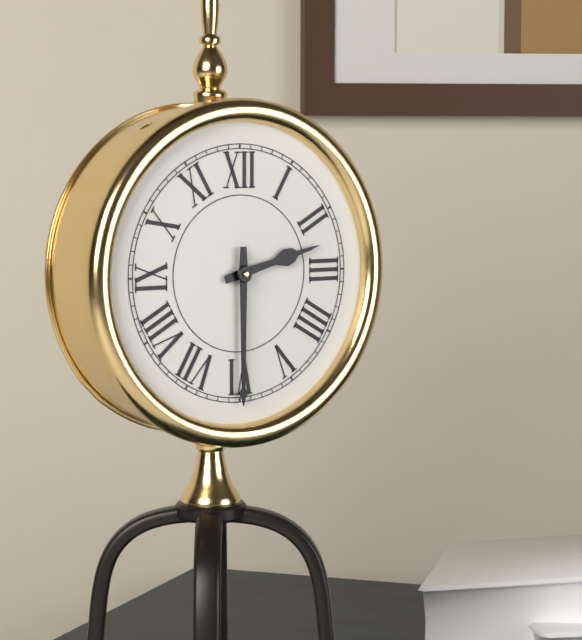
2:30
